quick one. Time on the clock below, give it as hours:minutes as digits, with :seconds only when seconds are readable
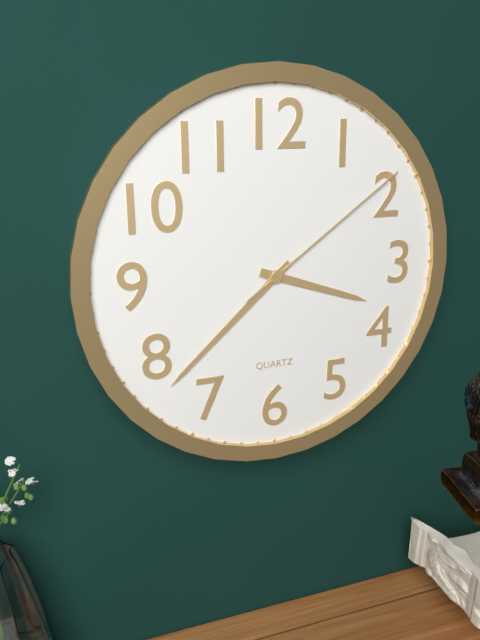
3:38:09
